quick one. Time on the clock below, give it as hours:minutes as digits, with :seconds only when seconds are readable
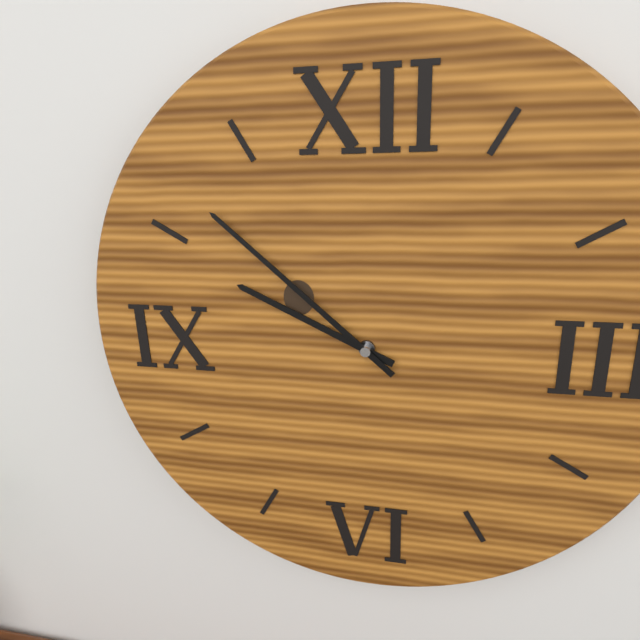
9:52
